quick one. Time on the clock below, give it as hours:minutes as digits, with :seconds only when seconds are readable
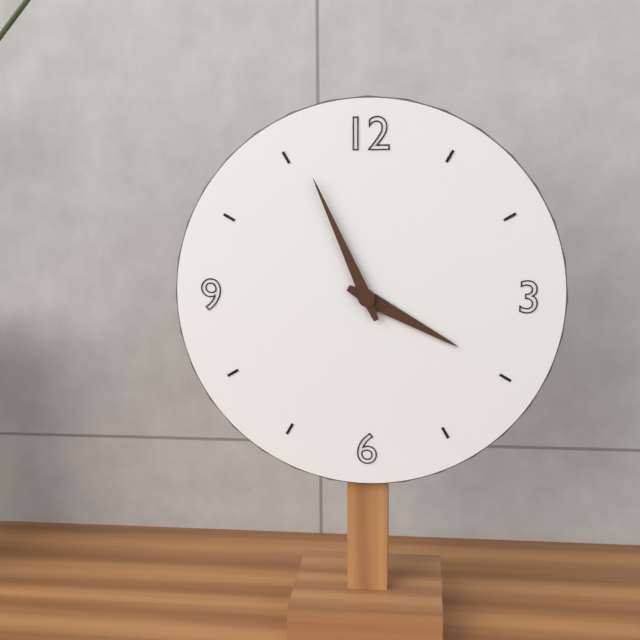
3:56
